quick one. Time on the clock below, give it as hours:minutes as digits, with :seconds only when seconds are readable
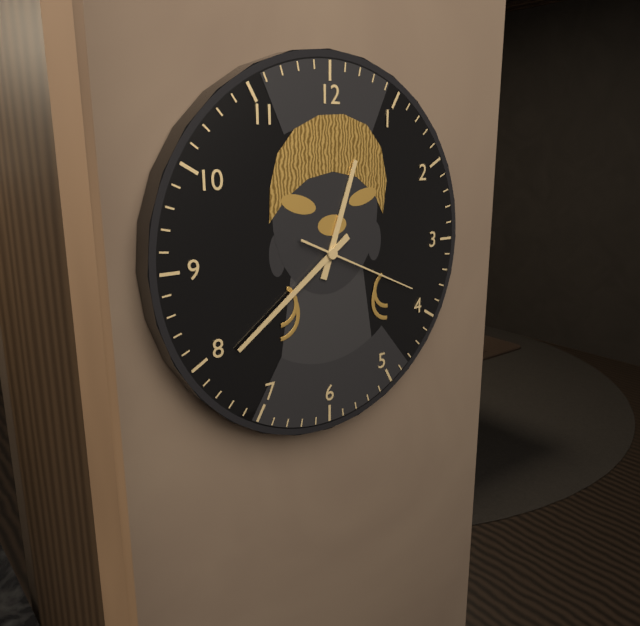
12:39:19
